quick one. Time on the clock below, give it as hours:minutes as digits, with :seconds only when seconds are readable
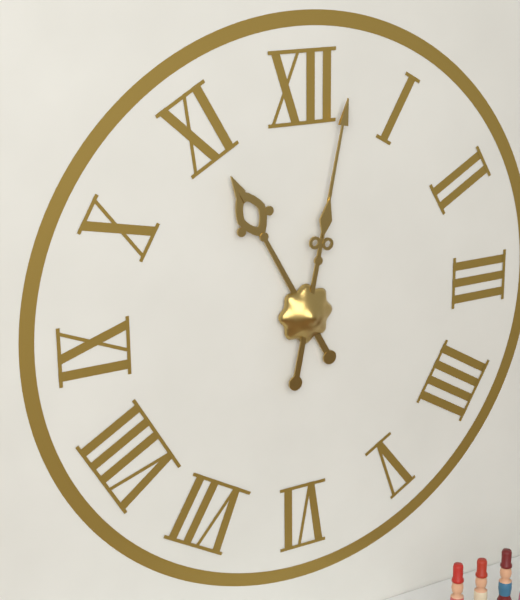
11:02
